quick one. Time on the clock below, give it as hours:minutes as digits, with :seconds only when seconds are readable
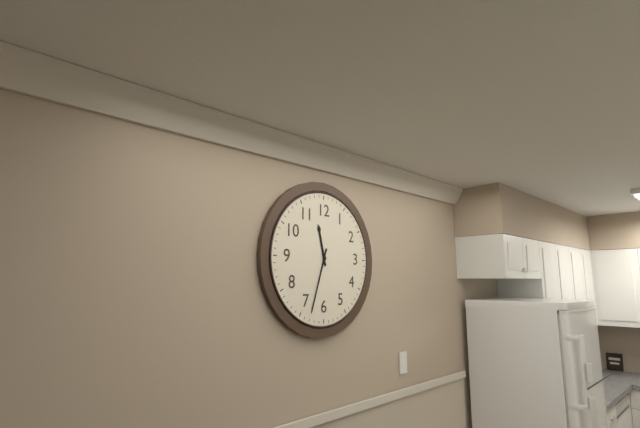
11:33
